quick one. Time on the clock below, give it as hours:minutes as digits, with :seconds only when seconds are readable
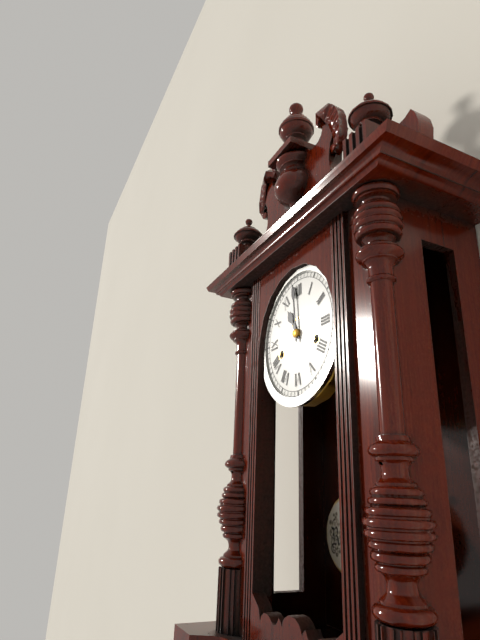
10:59
